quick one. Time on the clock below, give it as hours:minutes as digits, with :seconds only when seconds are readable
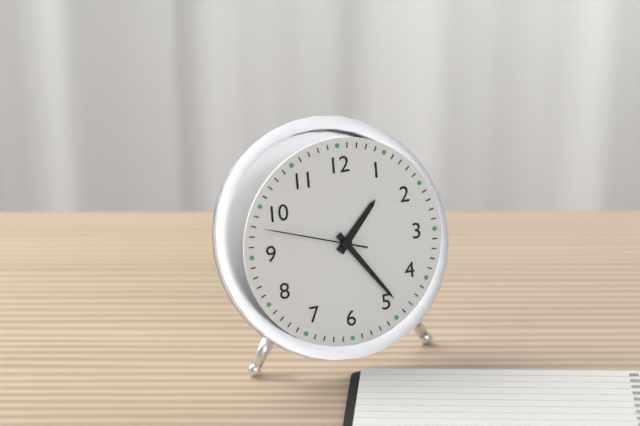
1:24:48
